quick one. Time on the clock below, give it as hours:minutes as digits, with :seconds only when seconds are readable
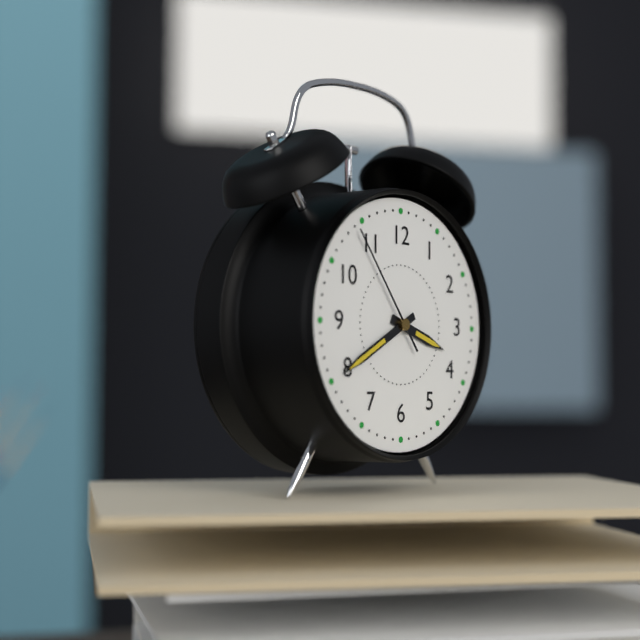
3:40:54
